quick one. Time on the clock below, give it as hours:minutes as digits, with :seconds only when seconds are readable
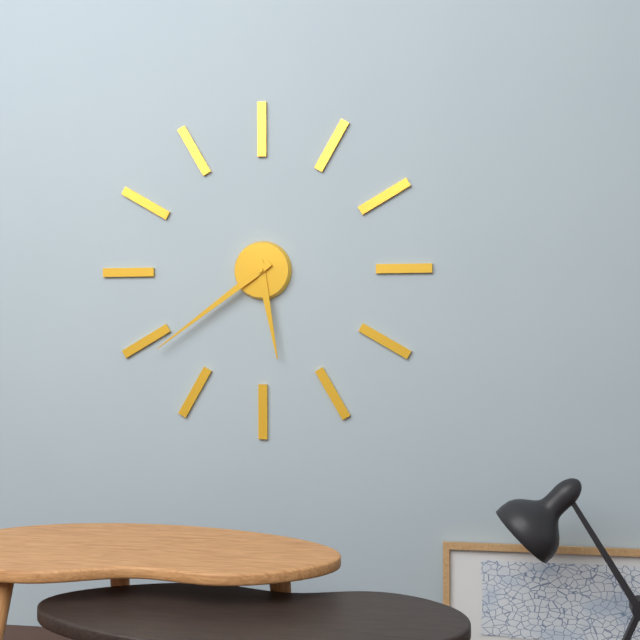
5:39
